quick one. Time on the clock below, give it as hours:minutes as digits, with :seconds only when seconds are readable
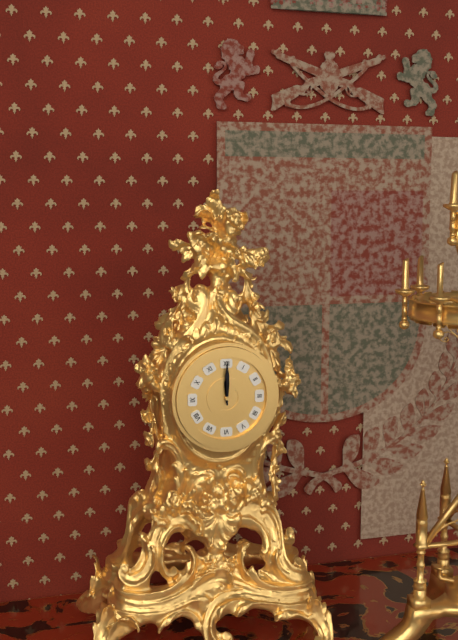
12:00
